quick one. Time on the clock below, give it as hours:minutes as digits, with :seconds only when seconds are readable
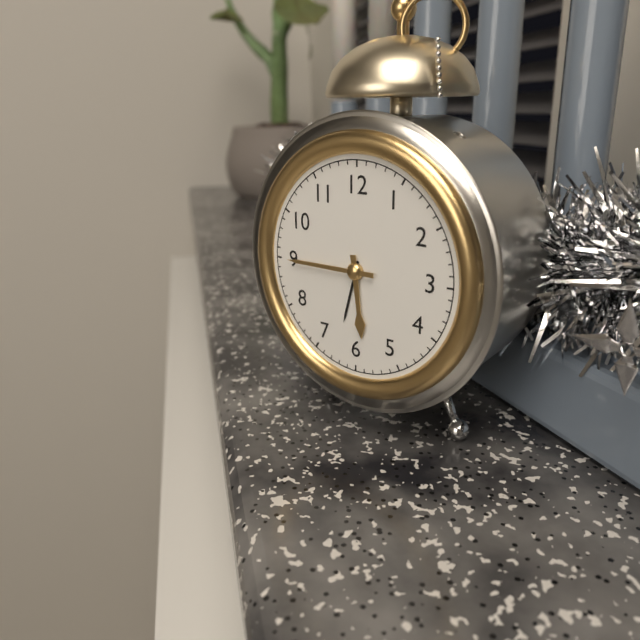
5:45
